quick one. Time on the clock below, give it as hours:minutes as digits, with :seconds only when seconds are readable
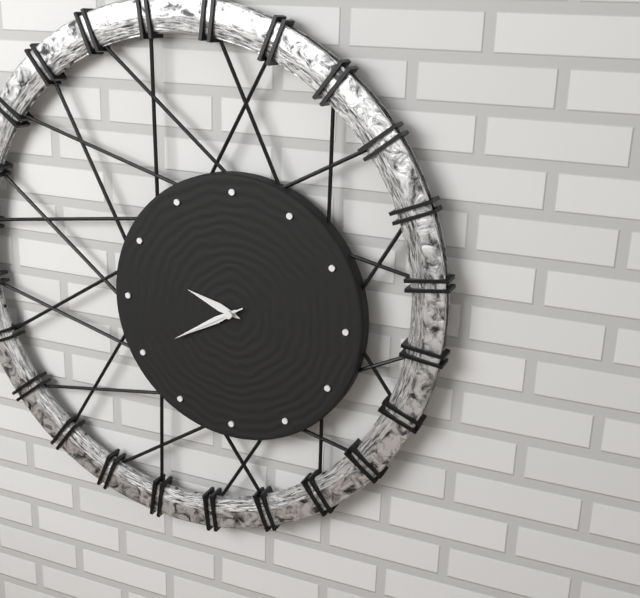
9:40:40
